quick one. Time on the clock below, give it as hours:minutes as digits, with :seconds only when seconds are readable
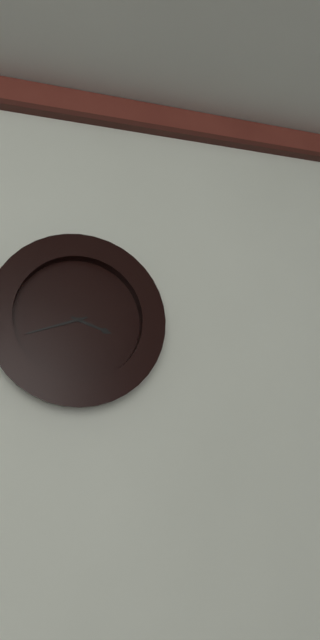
3:42
